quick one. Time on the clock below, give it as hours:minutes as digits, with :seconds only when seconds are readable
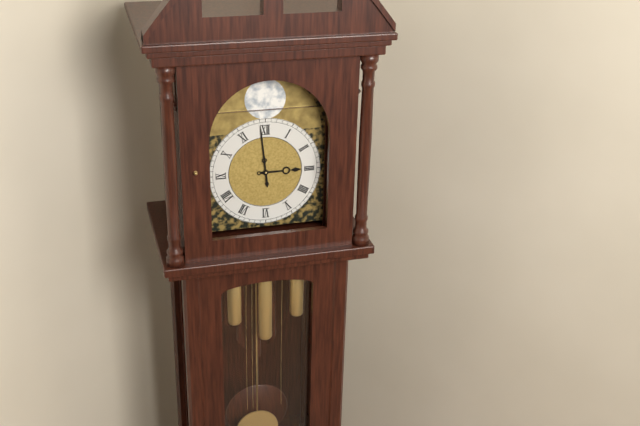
2:59
